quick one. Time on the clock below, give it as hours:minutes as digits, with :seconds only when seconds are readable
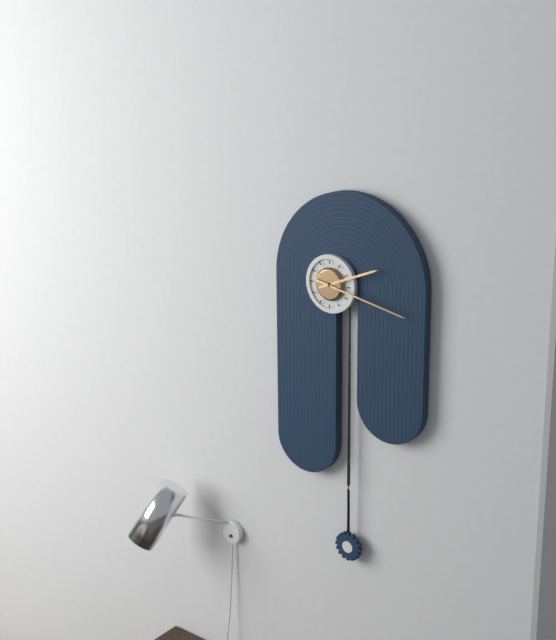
2:17
